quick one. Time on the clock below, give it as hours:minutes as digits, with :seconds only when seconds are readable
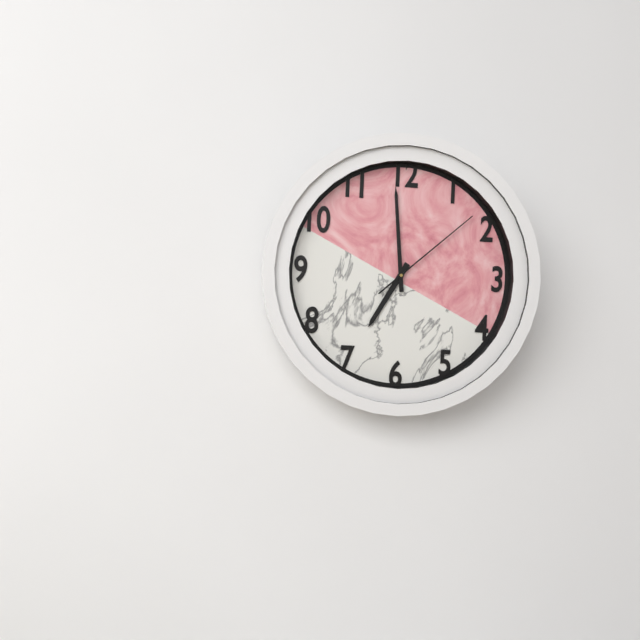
6:59:08
